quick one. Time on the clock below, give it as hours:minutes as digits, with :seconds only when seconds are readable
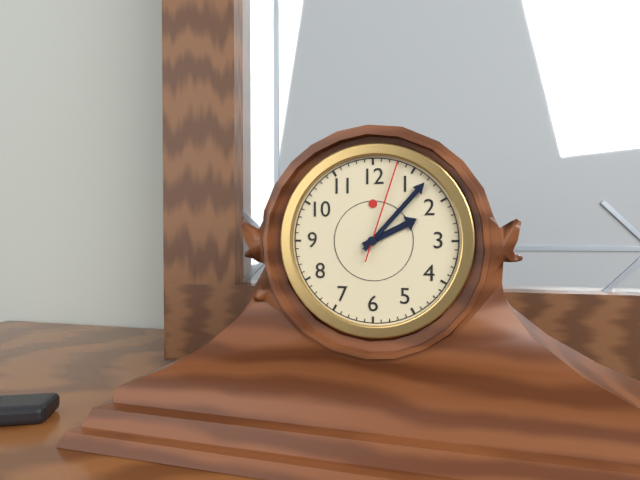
2:07:03
